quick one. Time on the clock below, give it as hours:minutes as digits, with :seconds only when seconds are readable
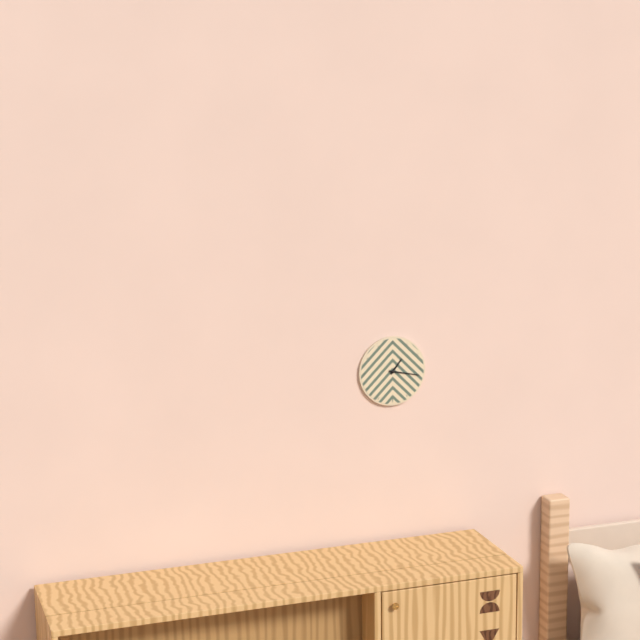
1:17
